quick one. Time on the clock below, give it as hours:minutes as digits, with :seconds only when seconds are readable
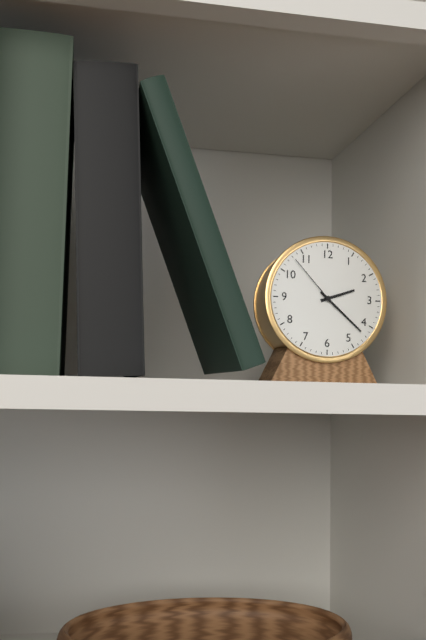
2:22:53
